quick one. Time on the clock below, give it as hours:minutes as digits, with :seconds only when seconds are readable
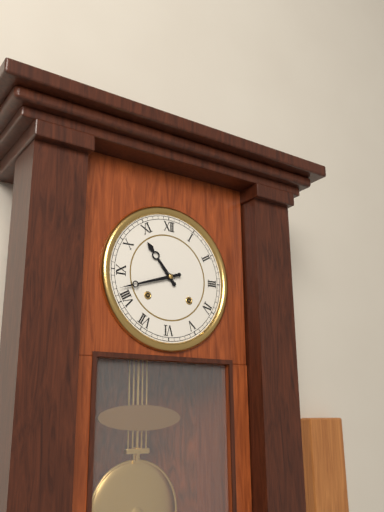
10:42
